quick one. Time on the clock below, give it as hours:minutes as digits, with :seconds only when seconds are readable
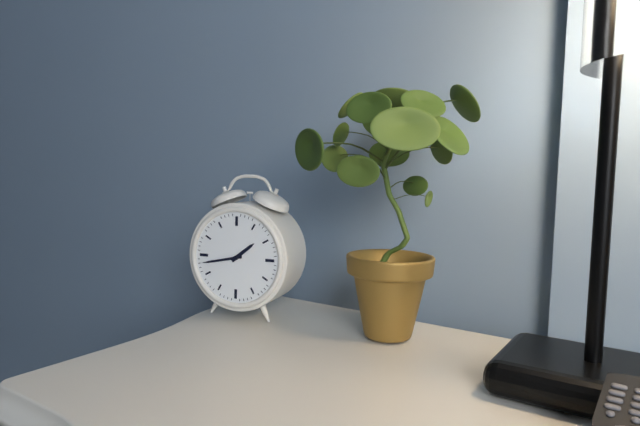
1:43
